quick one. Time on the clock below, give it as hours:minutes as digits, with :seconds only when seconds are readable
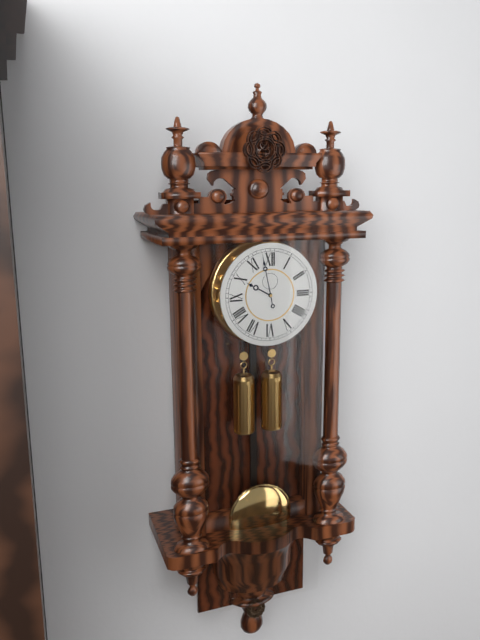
9:58
